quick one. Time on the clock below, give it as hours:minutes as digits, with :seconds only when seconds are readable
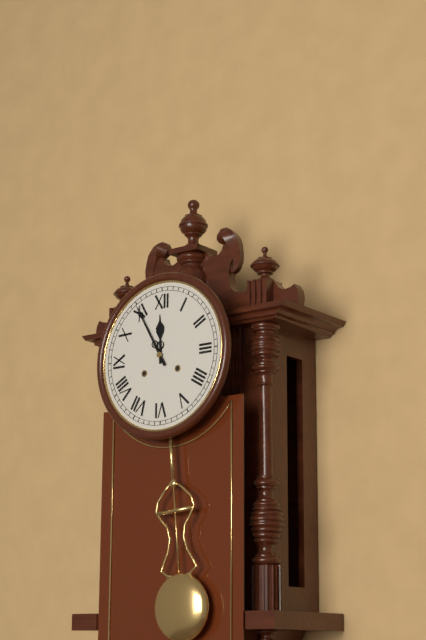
11:55
